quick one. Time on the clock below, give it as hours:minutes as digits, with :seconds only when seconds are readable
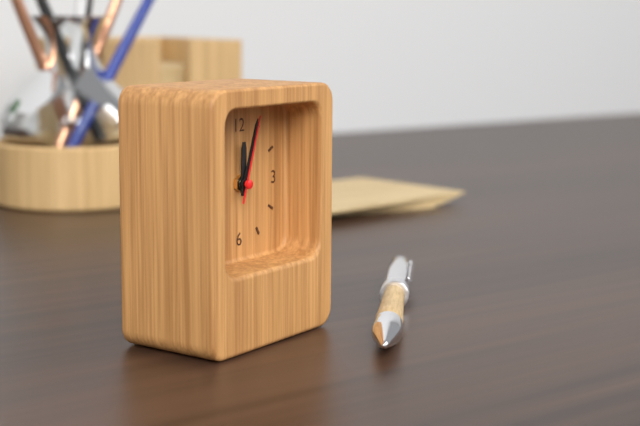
12:03:03
